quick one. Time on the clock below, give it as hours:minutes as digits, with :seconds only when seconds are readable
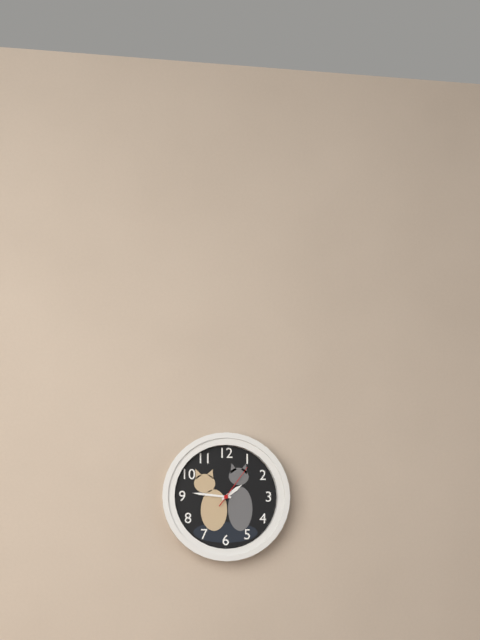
1:46
